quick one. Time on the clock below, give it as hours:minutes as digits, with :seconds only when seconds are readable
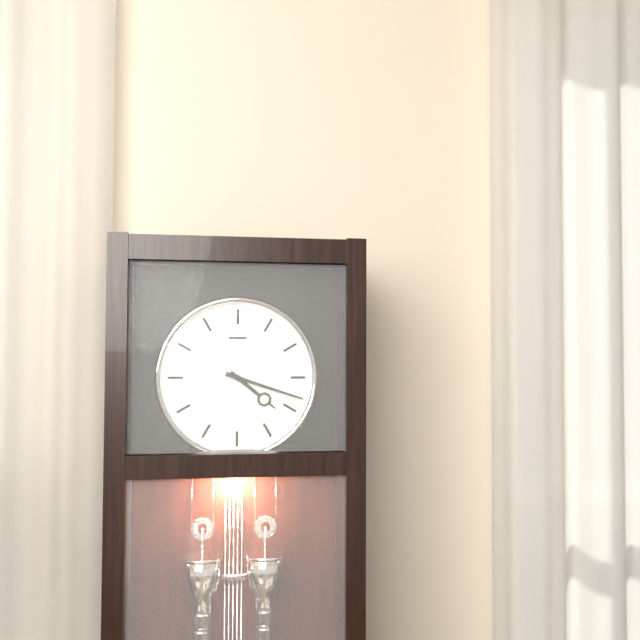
4:18
